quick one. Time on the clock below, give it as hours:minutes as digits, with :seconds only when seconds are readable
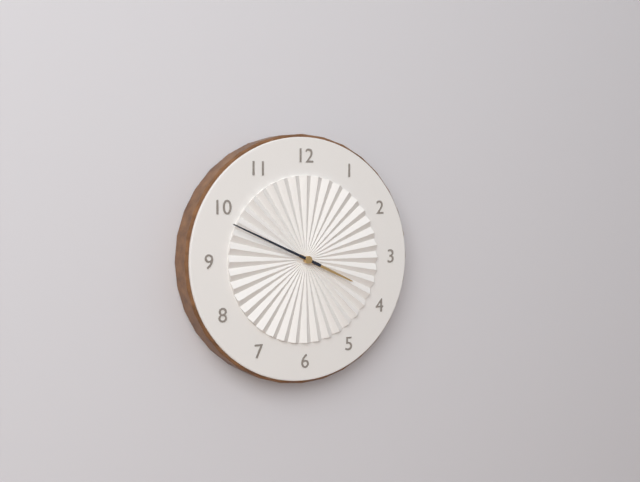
3:49
